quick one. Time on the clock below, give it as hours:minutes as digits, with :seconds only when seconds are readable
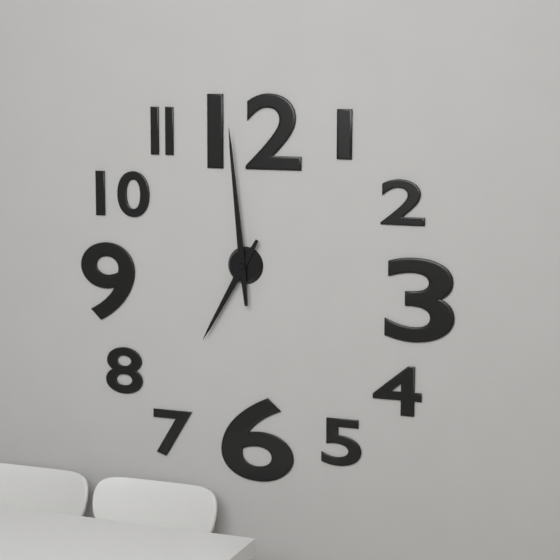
6:59
